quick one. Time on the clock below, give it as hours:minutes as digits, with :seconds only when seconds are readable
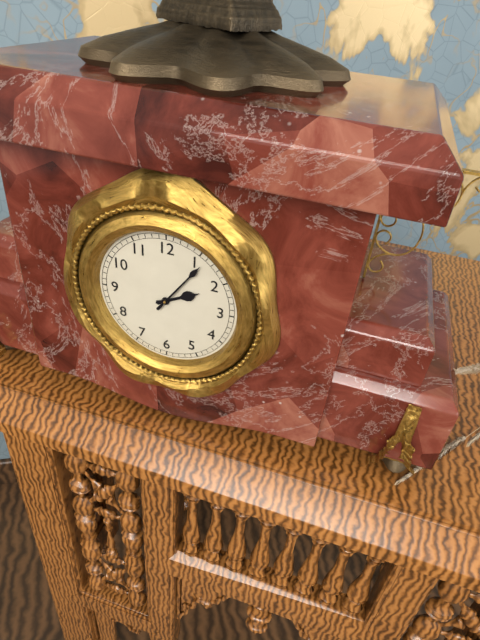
2:06
